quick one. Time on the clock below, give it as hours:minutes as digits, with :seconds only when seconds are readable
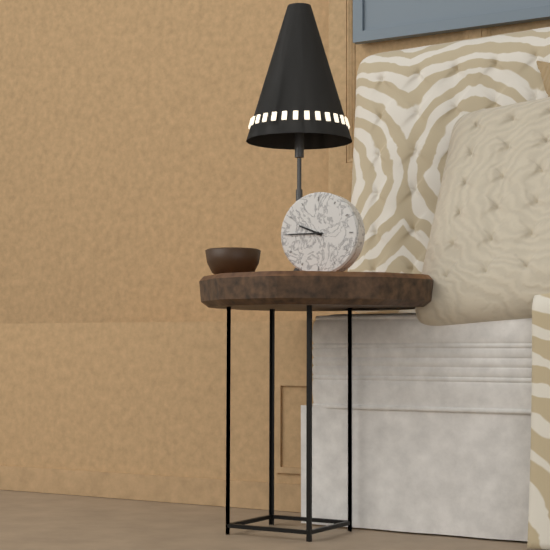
9:45
